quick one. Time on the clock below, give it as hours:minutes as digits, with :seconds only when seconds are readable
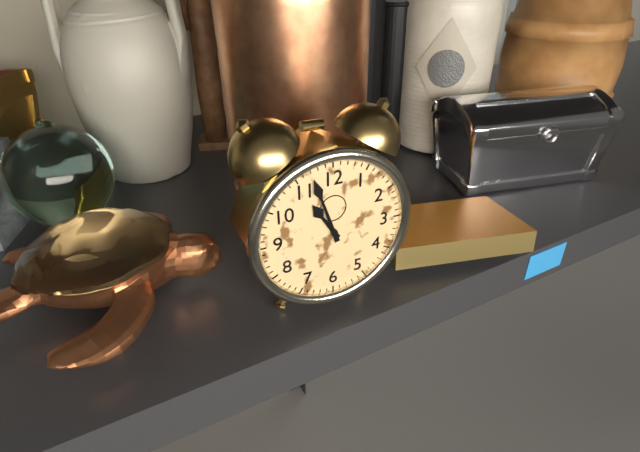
10:57
